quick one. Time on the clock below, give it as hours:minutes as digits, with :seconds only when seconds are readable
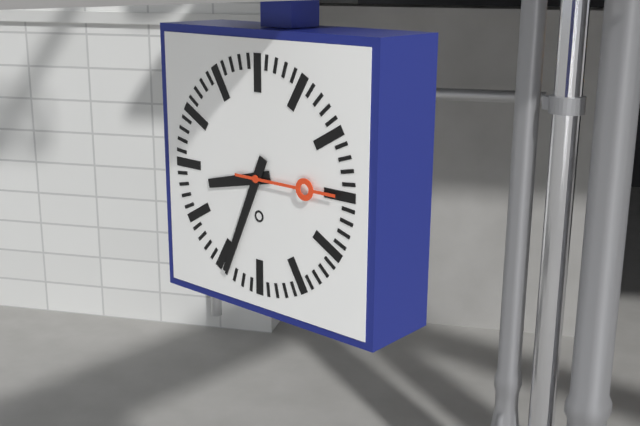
8:34:15
